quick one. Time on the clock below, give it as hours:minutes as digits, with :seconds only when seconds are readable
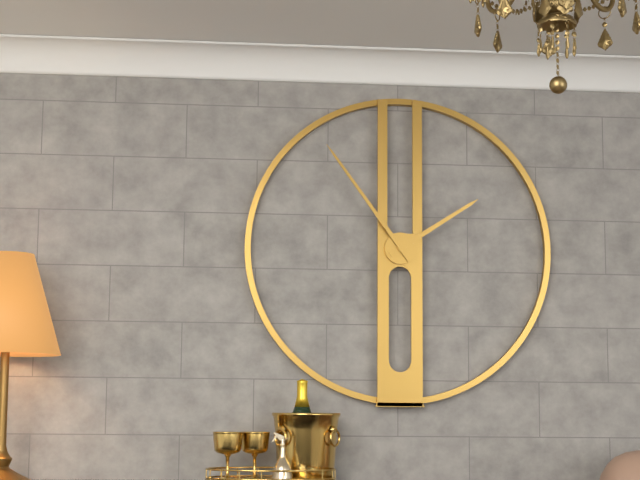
1:54
